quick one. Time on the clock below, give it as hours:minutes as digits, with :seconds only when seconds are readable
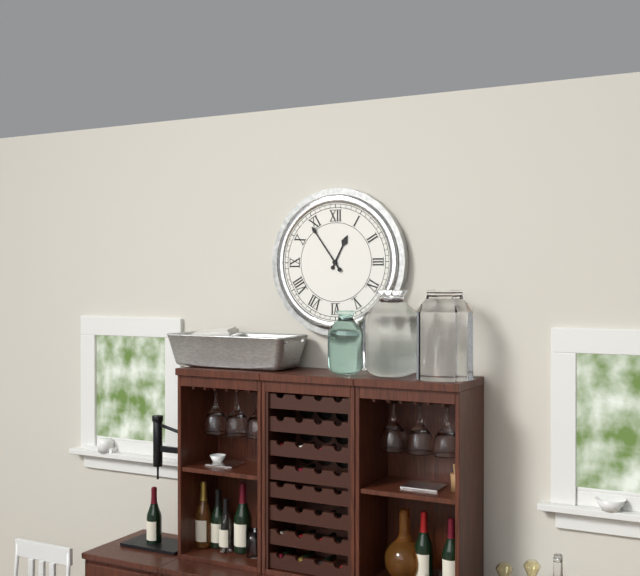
12:54
